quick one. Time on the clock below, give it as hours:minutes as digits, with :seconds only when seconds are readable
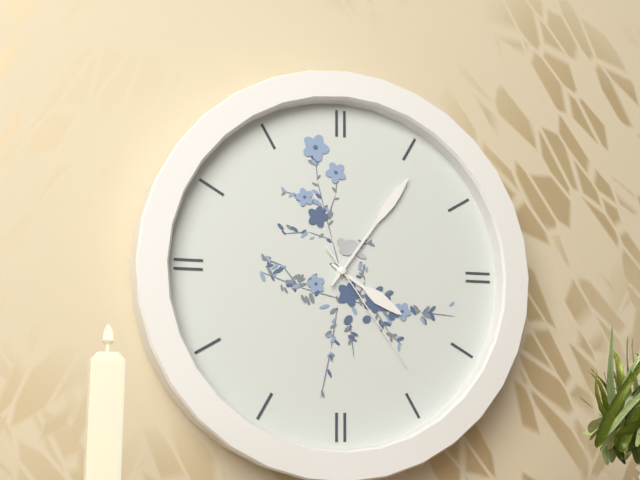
4:06:24
